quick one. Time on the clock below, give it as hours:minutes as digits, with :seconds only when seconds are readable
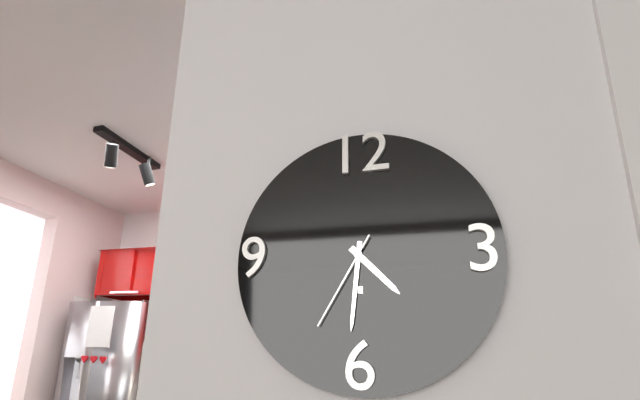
4:31:35
